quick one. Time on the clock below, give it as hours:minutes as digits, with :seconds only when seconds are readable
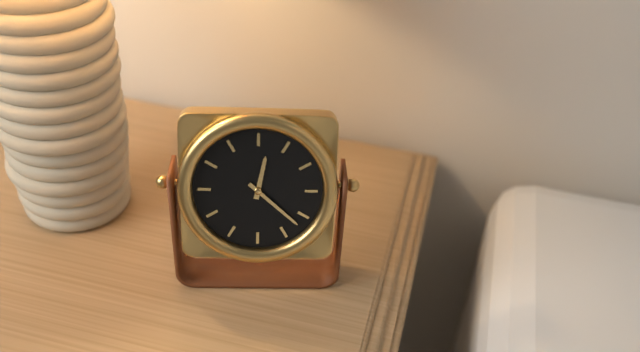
12:22
